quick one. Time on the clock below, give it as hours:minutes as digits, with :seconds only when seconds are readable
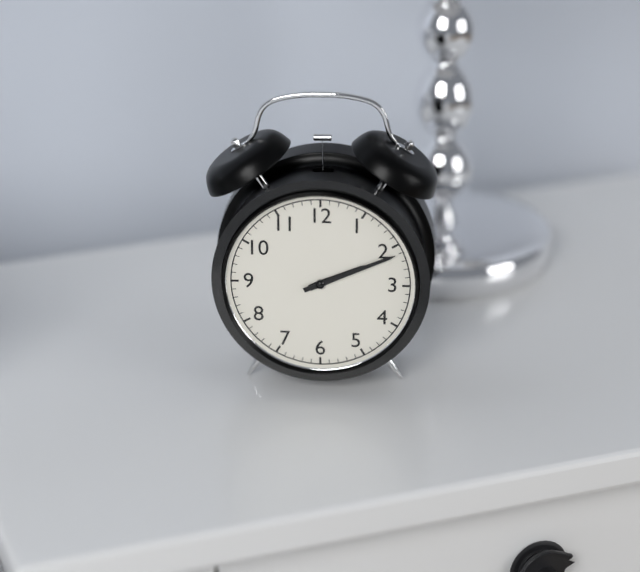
2:11
